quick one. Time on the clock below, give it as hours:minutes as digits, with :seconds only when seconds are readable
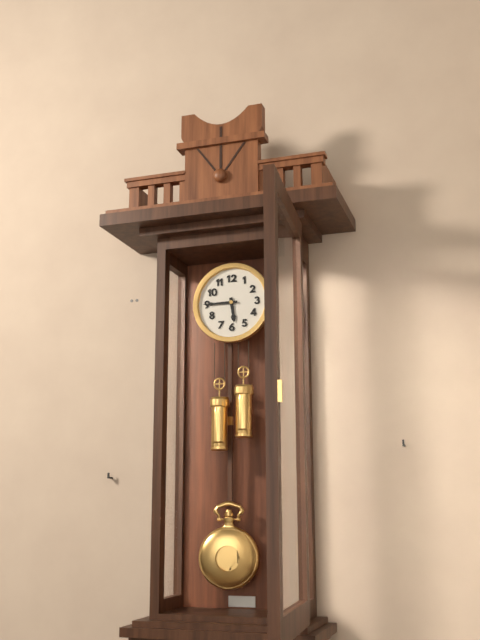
5:45
